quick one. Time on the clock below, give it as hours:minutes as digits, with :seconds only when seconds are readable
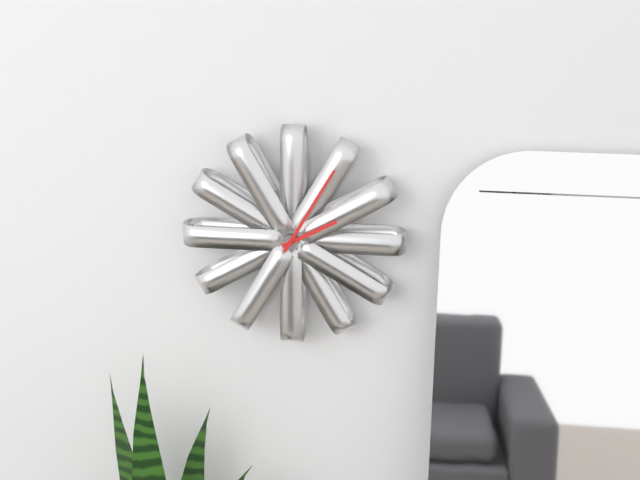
2:05
